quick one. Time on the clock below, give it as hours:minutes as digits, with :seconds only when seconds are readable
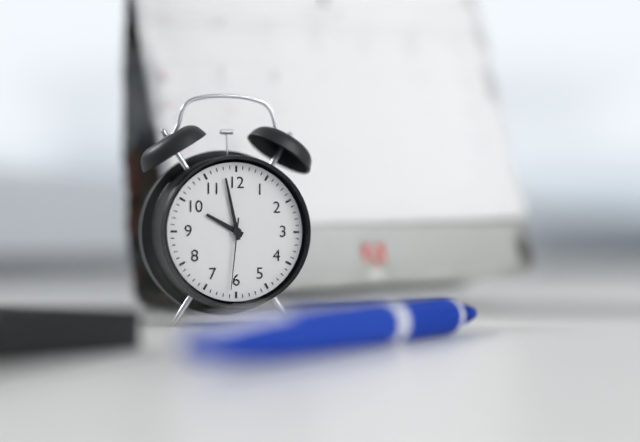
9:58:31
